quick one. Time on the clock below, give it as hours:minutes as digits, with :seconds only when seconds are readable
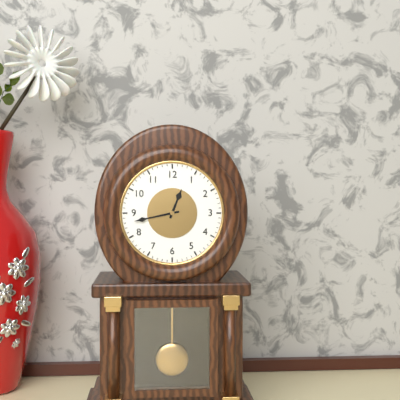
12:43
